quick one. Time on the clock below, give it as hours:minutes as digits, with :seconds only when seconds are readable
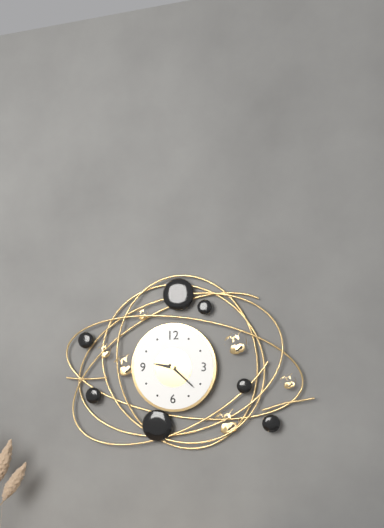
9:22
